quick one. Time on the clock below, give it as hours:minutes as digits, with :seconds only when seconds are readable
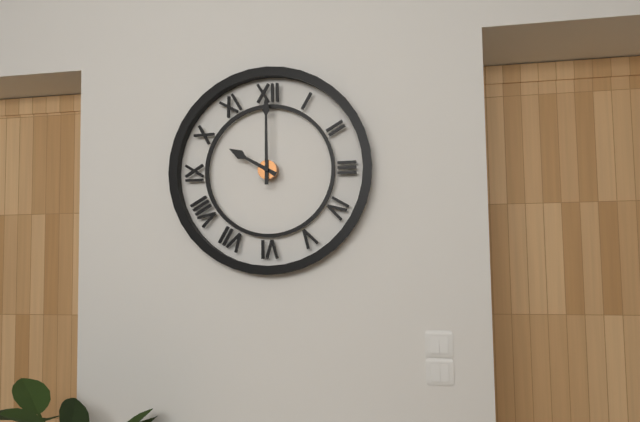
10:00
